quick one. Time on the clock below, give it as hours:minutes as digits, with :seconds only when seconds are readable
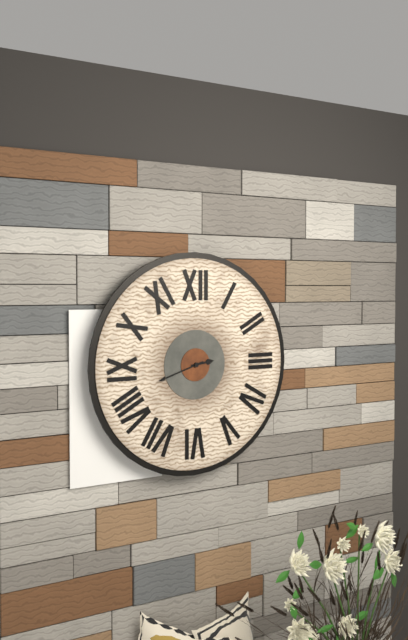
2:42
